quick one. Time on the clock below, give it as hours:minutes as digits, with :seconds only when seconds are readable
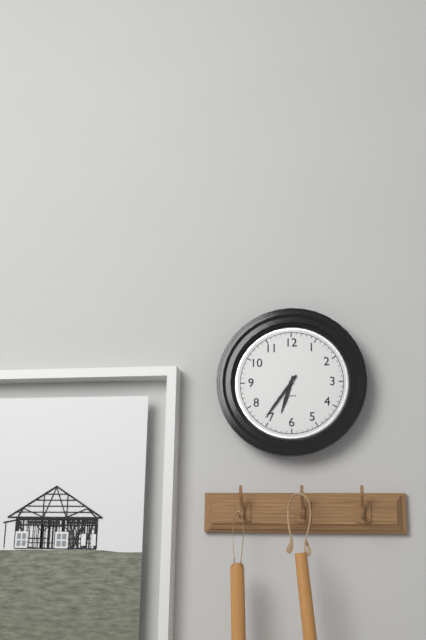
6:36
